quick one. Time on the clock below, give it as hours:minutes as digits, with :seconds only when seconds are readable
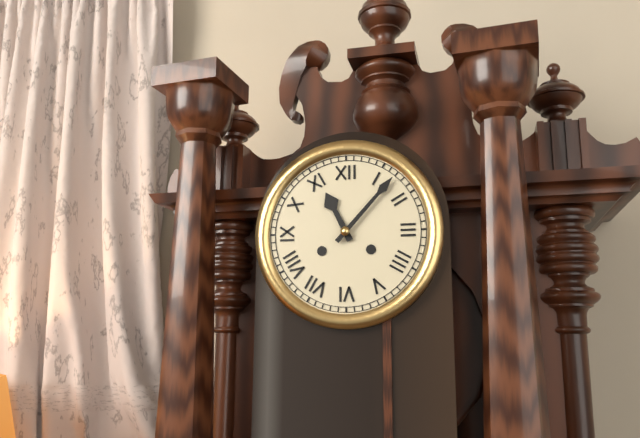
11:07
